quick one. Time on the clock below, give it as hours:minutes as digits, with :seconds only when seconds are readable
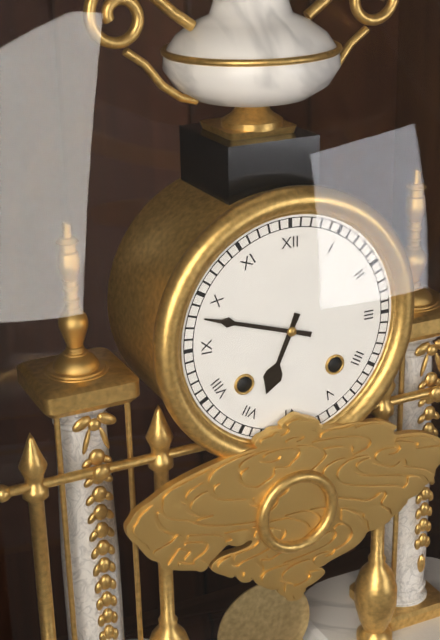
6:48
